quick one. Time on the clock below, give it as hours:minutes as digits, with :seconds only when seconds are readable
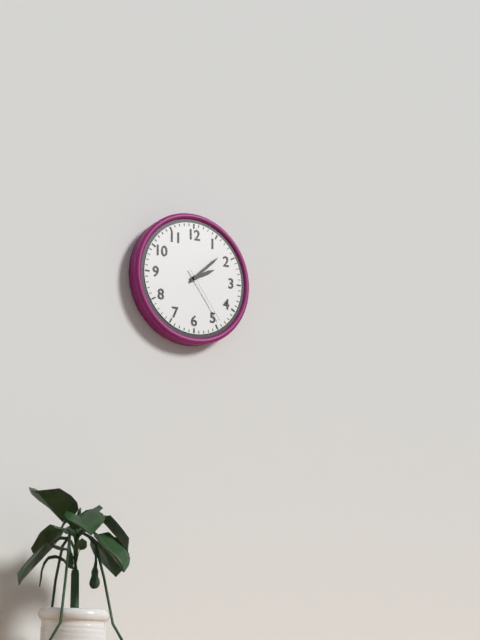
2:08:24
